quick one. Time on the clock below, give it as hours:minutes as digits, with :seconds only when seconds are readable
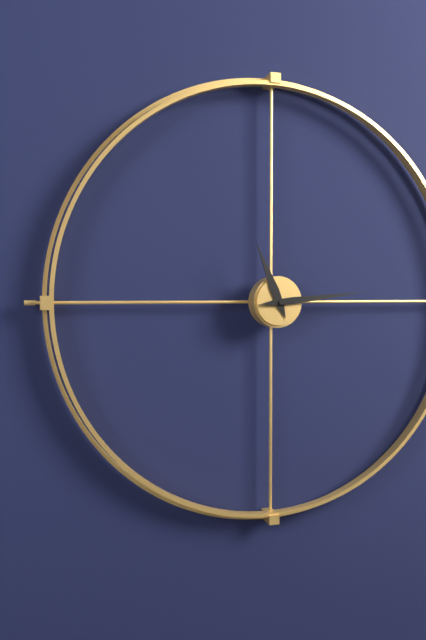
11:14
